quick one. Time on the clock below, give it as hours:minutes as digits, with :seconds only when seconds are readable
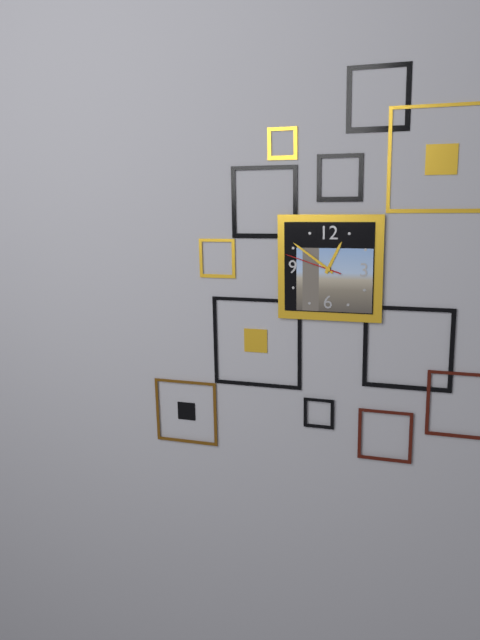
12:51:48
